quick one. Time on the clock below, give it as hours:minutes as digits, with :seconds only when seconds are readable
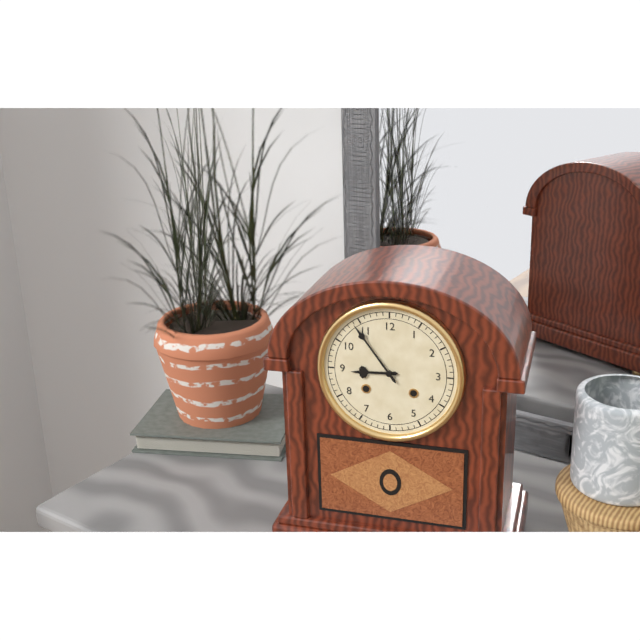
8:54
